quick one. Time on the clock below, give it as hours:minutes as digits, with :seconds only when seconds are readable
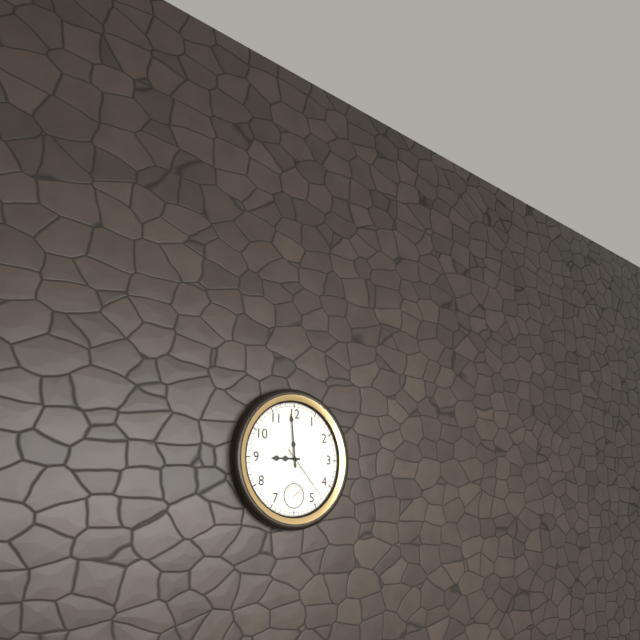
8:59:23
